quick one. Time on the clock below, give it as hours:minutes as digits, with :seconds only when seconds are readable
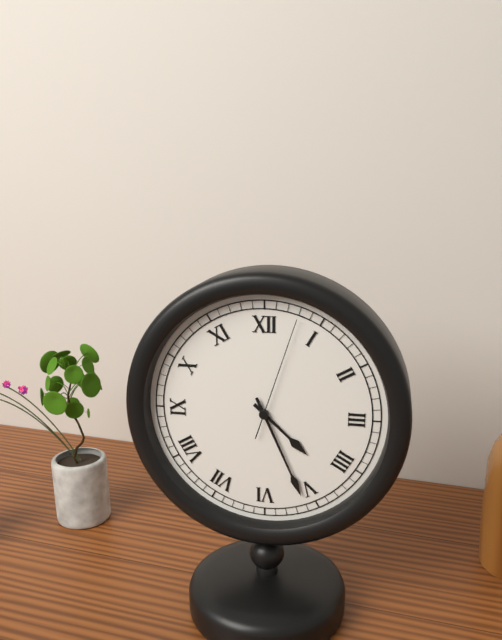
4:26:03
